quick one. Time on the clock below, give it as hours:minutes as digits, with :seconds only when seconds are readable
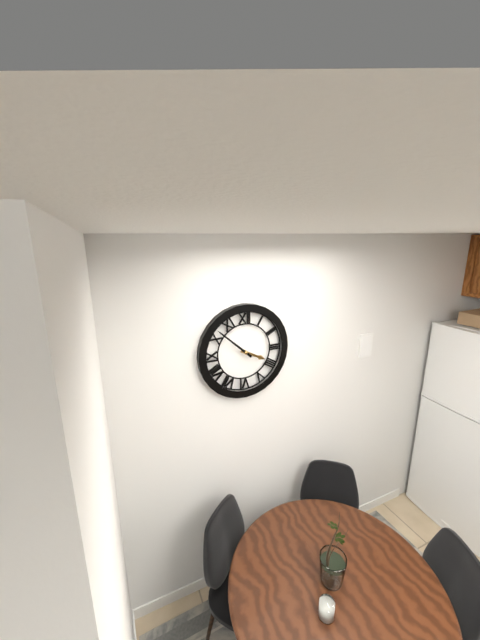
3:52
